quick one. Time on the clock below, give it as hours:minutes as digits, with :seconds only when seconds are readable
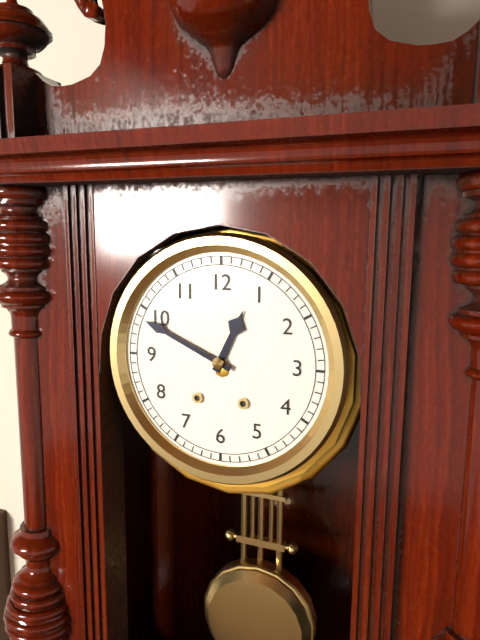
12:49
